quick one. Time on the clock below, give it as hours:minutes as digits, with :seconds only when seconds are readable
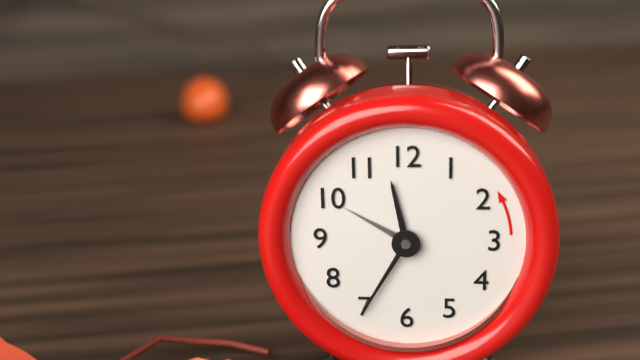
11:35:50
